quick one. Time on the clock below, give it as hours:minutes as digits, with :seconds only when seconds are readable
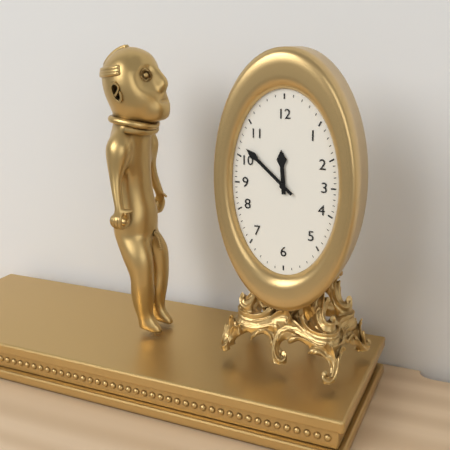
11:52
